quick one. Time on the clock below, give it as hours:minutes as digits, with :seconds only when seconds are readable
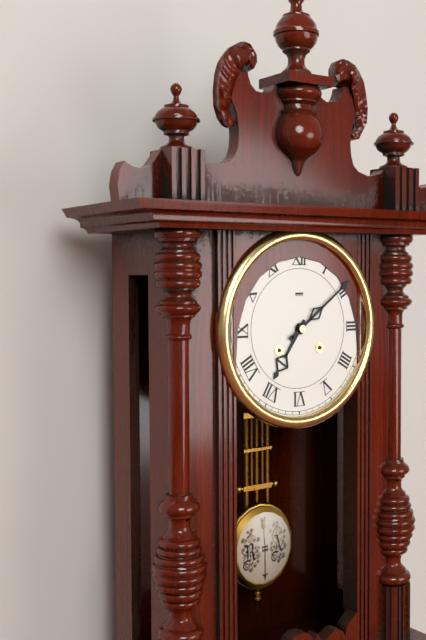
7:09
